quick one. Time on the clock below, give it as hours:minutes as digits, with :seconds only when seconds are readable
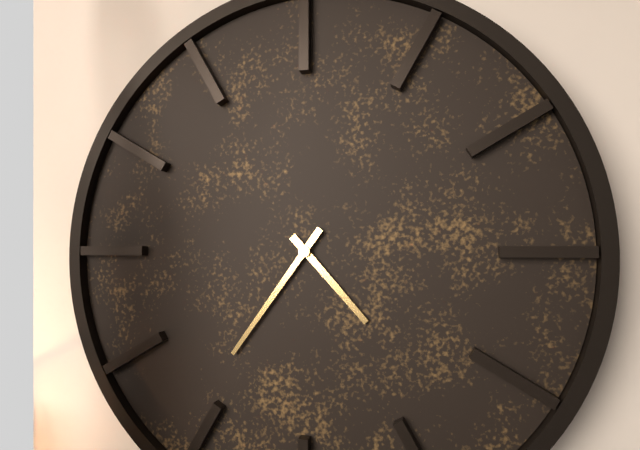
4:36
